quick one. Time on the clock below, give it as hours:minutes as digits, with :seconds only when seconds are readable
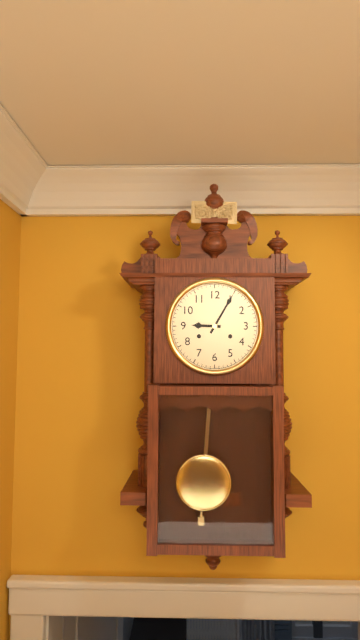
9:05
